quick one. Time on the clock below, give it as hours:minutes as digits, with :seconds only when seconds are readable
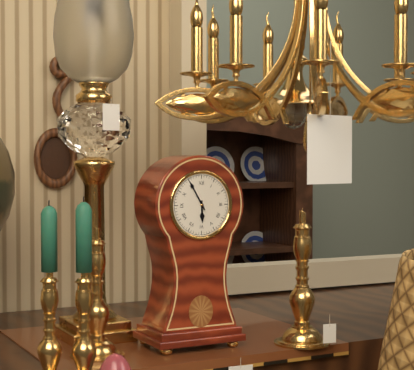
5:55
